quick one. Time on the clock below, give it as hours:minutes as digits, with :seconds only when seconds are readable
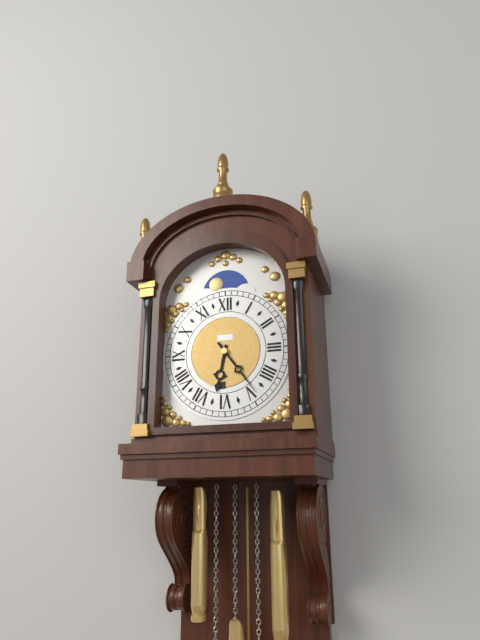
6:24
